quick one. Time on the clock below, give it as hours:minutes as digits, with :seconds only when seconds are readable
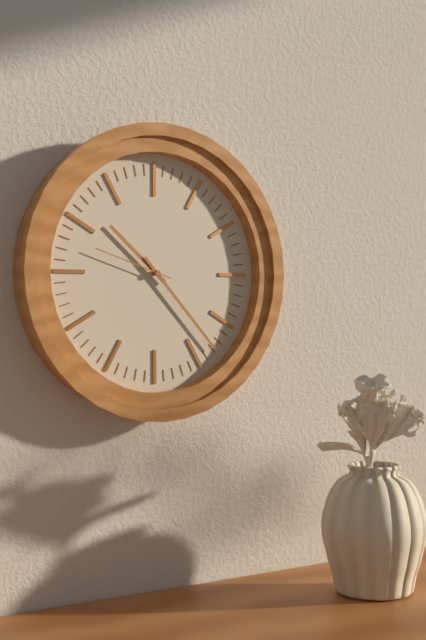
10:23:48
